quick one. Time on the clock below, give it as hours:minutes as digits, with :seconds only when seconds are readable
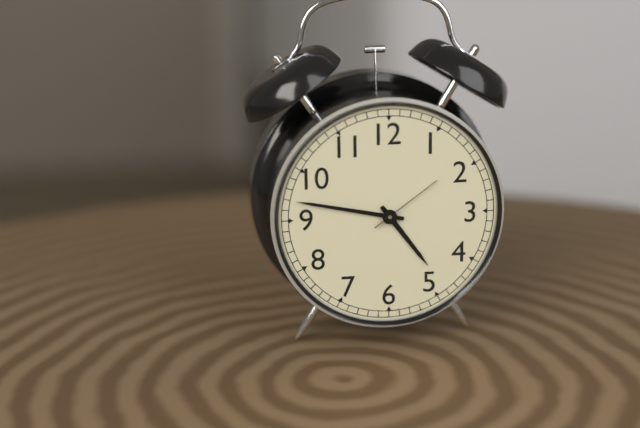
4:47:09
